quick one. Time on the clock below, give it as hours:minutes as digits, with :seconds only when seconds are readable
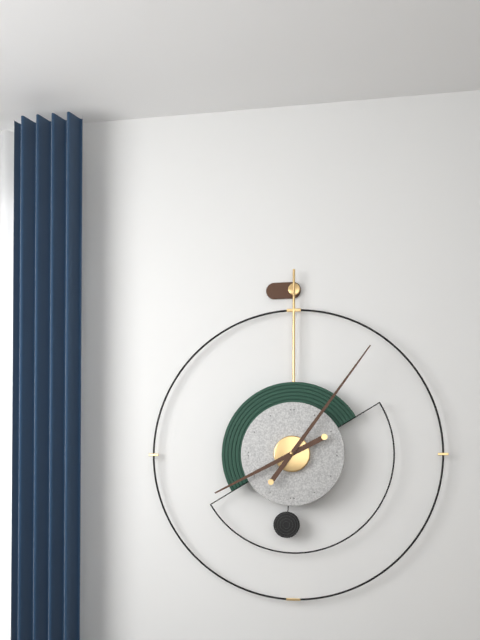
8:06
